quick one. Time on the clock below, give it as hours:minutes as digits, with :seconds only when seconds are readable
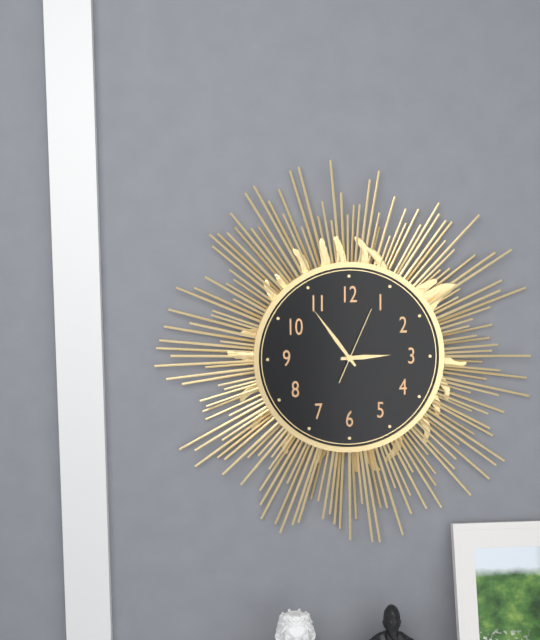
2:54:04
